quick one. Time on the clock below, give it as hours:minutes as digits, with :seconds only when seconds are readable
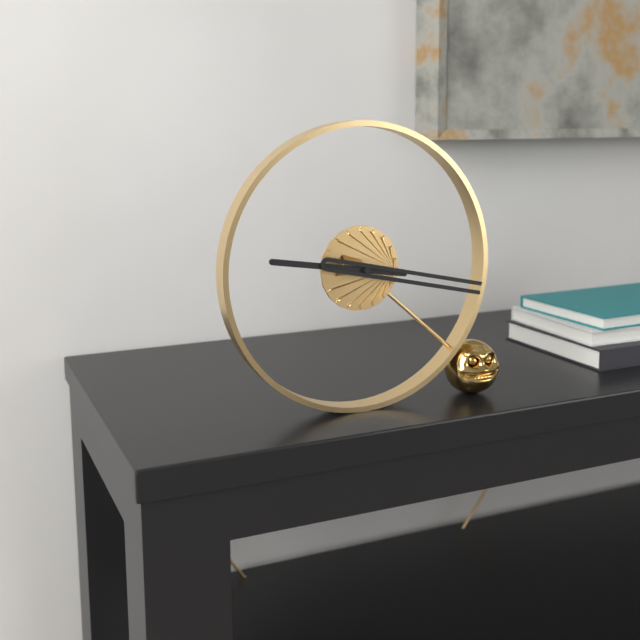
9:17
